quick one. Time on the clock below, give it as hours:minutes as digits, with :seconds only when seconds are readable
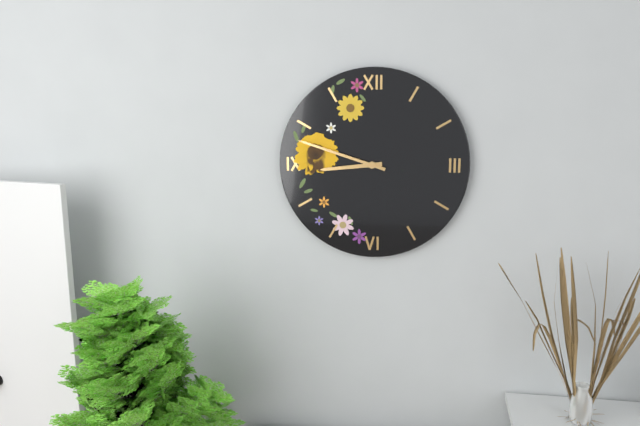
8:48
